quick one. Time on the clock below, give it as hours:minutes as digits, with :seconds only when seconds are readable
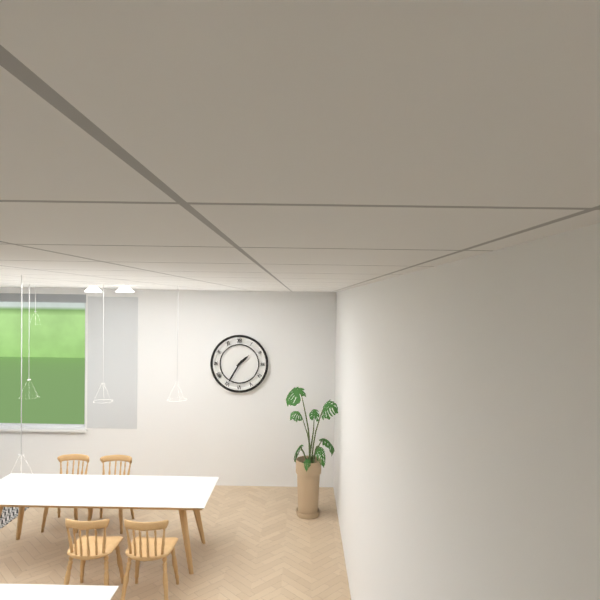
1:35
